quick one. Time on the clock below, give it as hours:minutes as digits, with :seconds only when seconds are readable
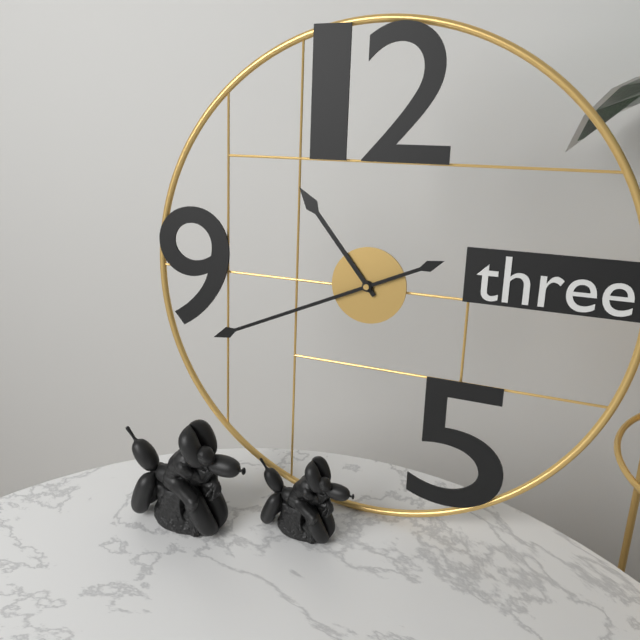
10:41
